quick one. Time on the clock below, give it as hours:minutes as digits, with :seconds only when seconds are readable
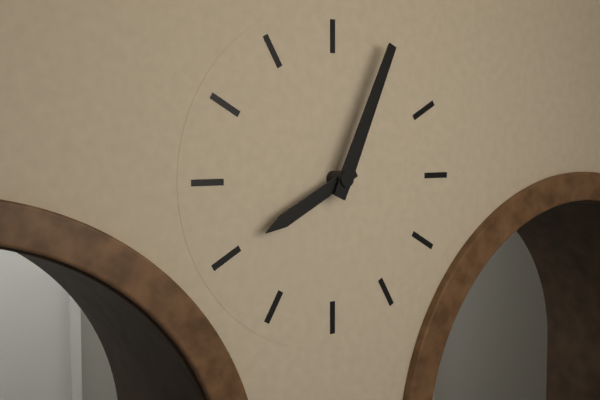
8:04
